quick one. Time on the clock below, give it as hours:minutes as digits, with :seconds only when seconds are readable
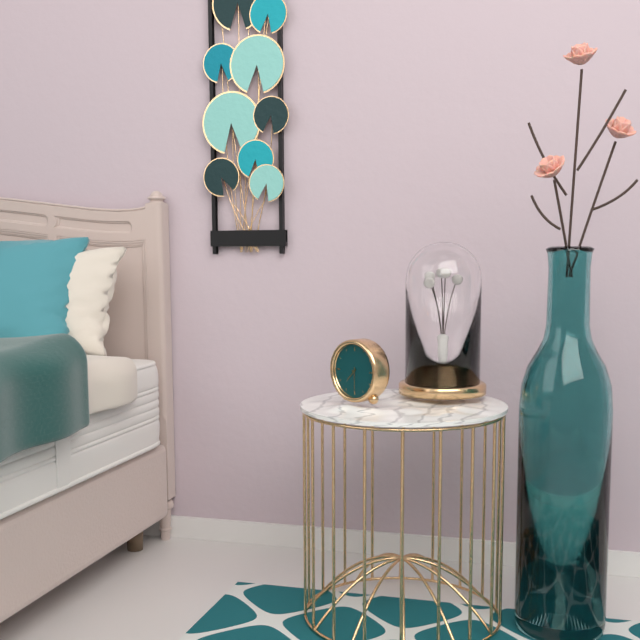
7:30
